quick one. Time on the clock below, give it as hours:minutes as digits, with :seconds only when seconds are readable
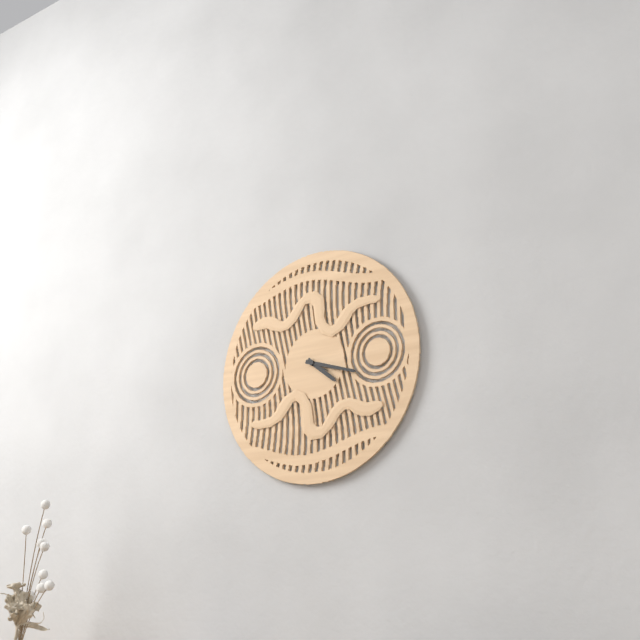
4:18
